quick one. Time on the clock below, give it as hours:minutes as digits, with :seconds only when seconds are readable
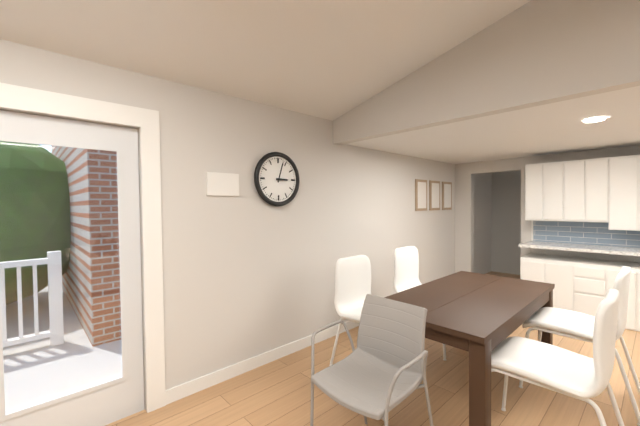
3:03
